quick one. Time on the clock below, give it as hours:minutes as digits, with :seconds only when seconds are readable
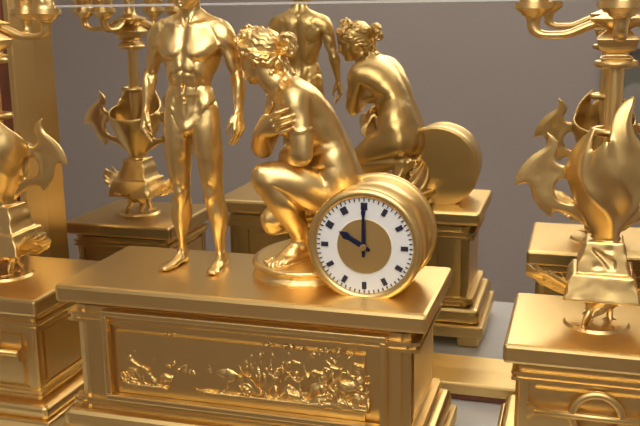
10:00
